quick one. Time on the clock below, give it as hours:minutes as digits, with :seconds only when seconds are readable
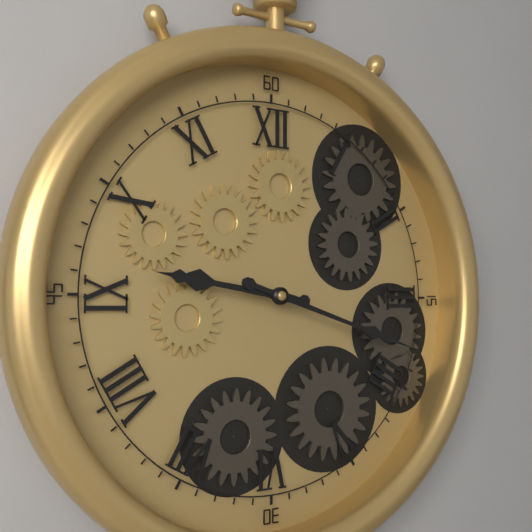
9:18
